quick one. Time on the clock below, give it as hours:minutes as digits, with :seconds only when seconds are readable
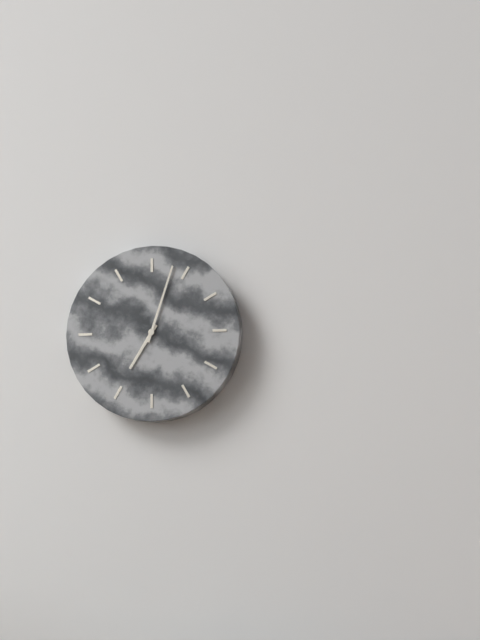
7:03
